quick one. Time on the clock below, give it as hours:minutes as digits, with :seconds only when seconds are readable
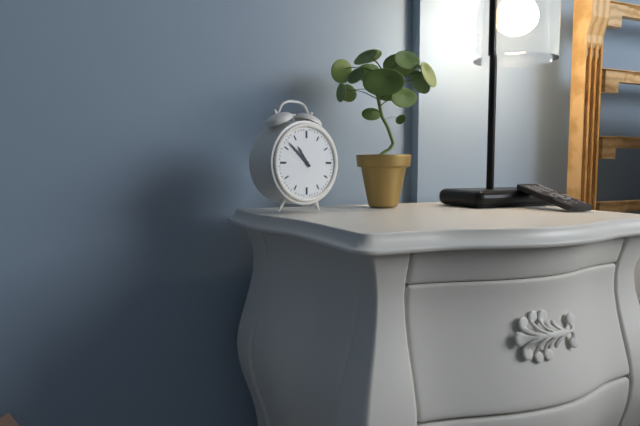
10:52
